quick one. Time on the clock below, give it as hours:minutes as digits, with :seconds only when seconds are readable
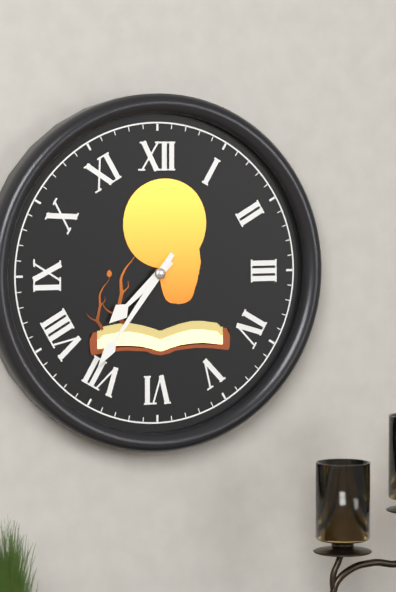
7:36
